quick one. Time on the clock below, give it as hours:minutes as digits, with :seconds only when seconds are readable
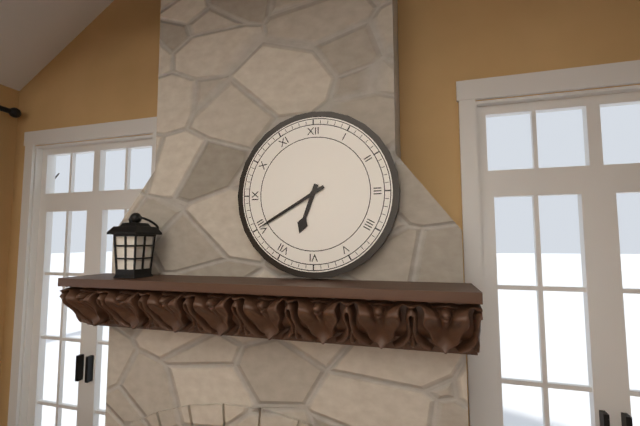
6:40
